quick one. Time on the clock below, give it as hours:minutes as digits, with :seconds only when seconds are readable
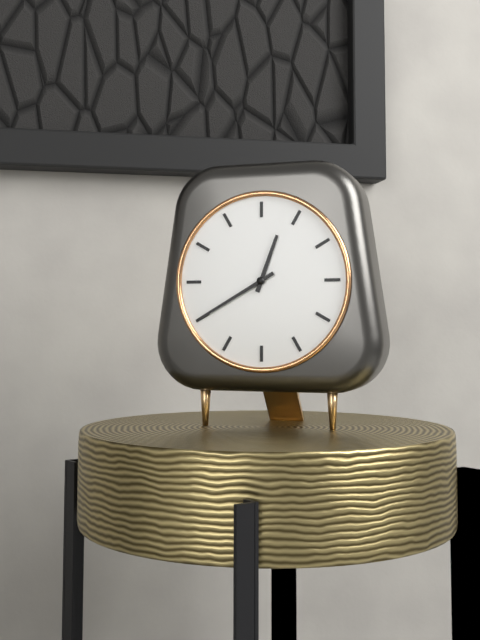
12:40
